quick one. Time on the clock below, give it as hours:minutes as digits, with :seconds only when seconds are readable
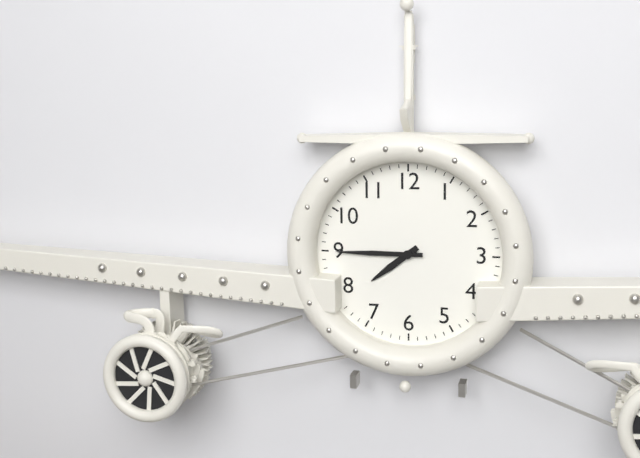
7:45
